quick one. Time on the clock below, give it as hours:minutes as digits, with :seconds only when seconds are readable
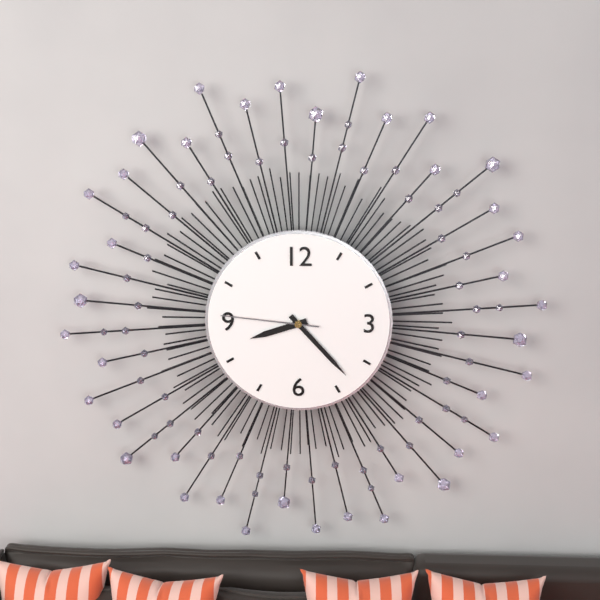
8:23:46
